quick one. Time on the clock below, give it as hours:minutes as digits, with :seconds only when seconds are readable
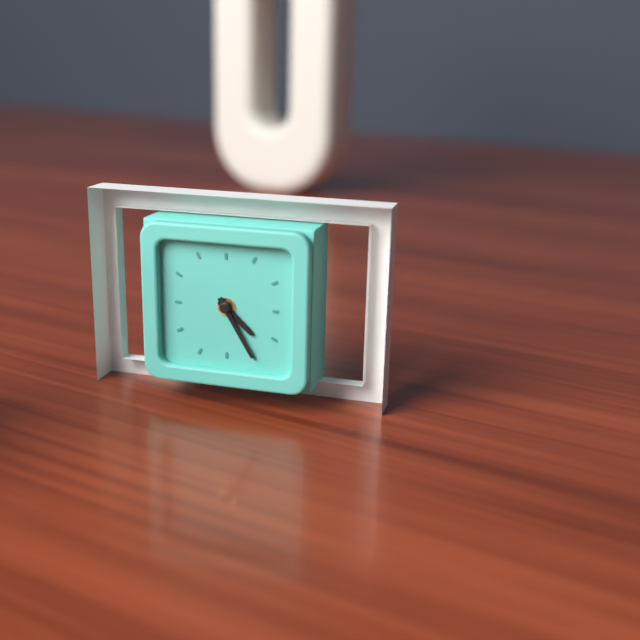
4:25
